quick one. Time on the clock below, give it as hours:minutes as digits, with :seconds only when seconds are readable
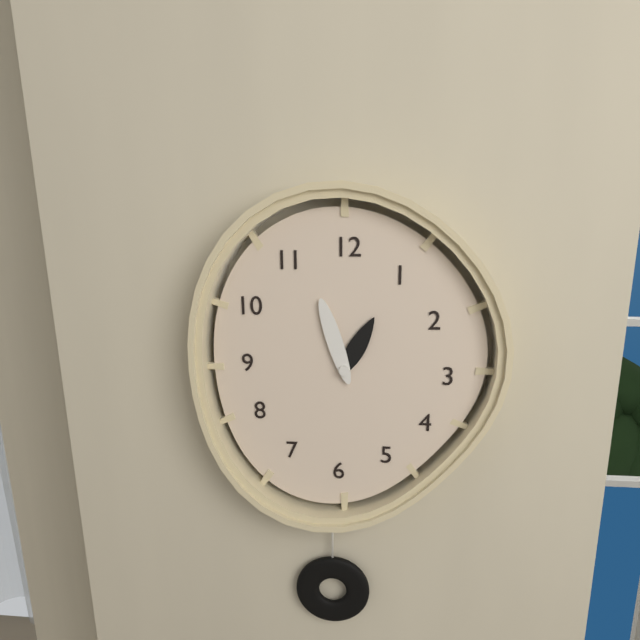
12:57
